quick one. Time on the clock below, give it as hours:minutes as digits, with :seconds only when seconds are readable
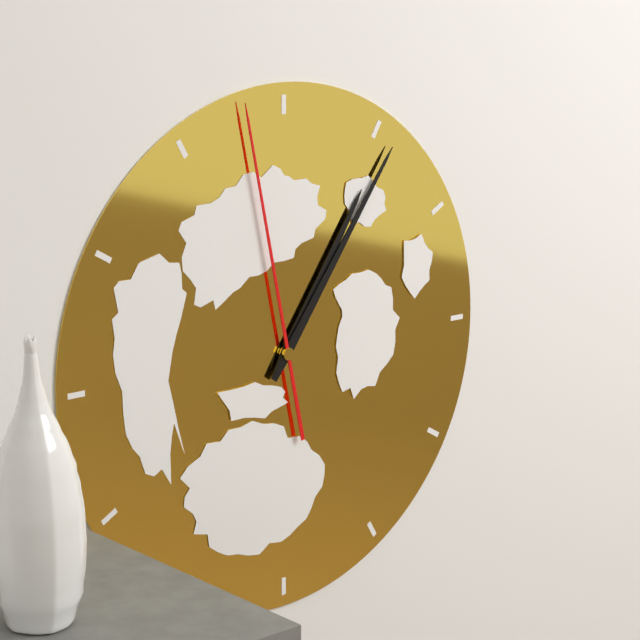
1:06:58
